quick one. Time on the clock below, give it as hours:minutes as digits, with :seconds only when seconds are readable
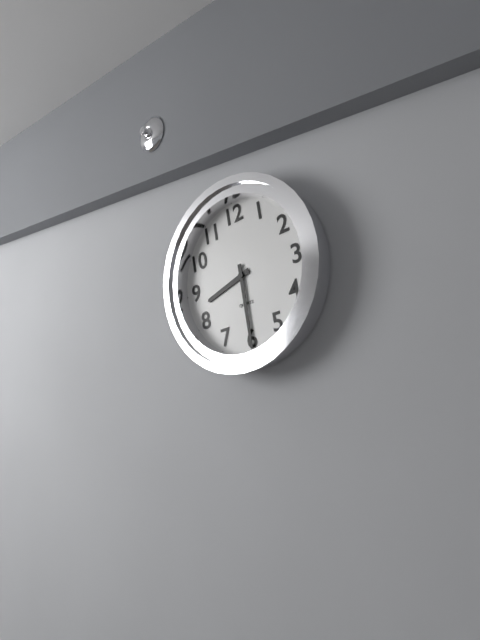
8:30
